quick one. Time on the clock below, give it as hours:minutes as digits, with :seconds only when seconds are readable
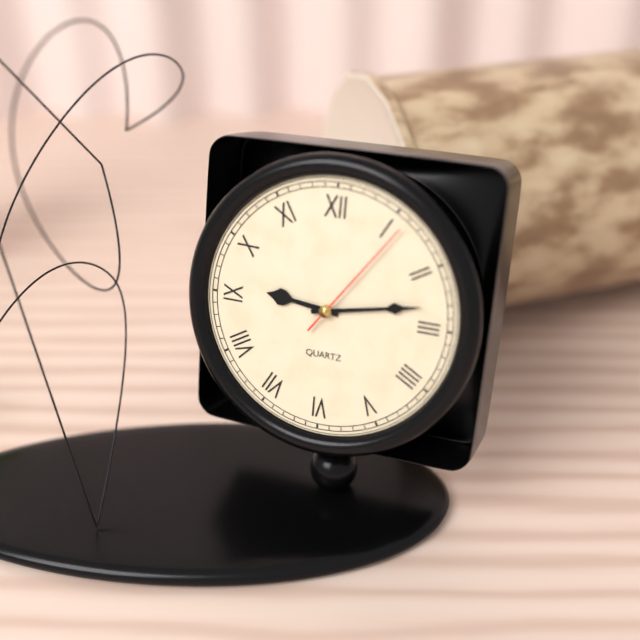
9:13:06
